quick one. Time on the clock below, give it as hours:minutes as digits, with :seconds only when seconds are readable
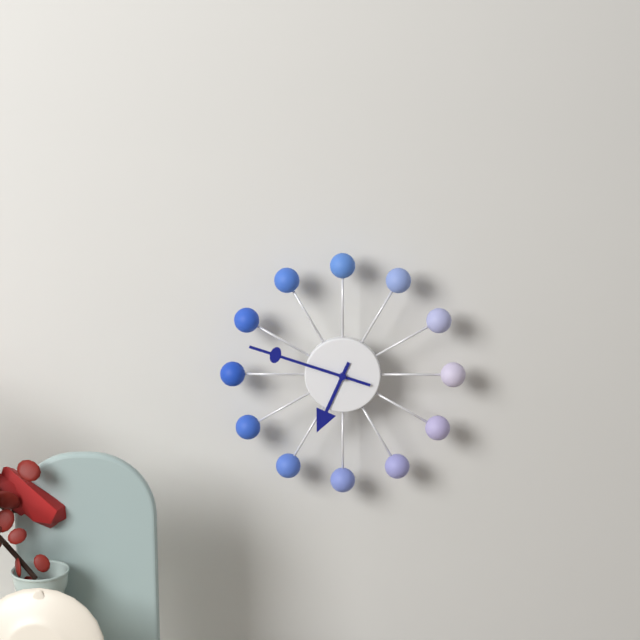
6:48
